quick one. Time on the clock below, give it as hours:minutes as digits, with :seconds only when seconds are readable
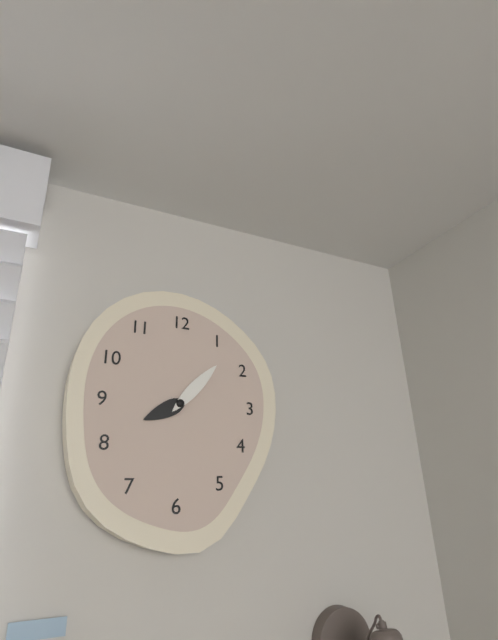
8:07
